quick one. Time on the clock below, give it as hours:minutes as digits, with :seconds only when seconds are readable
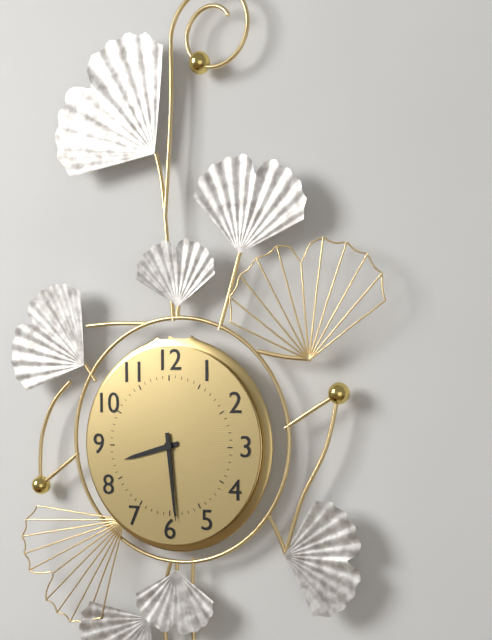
8:29
